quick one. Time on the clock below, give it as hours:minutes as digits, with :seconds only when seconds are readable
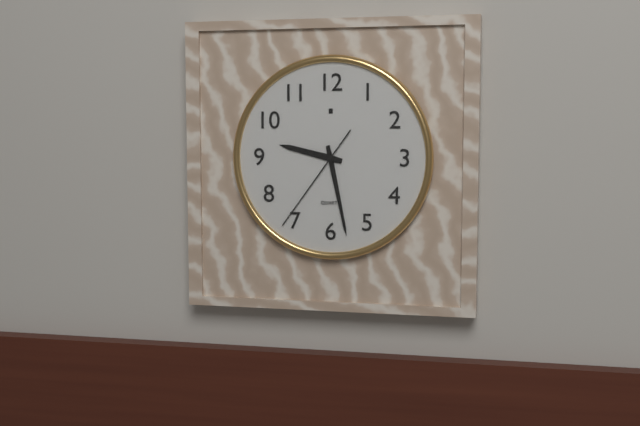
9:28:36
